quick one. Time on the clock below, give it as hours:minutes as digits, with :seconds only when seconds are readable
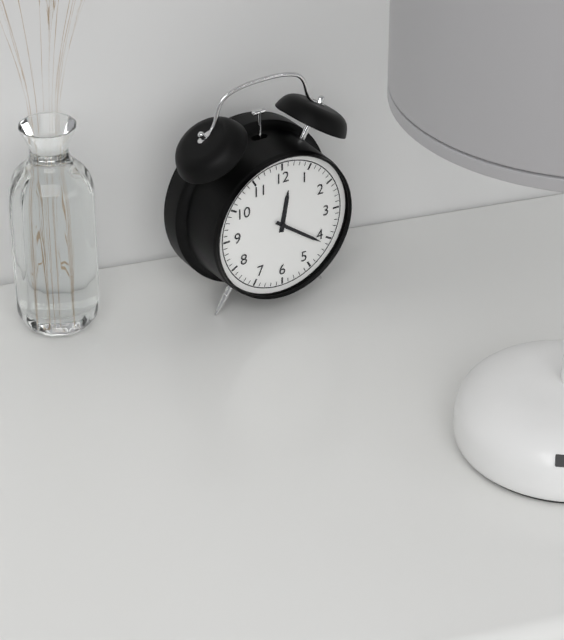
12:21
